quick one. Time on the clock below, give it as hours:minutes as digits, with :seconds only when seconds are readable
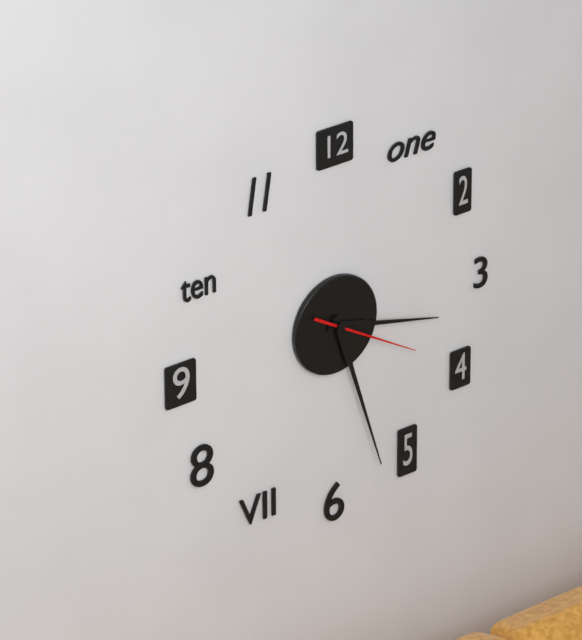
3:27:20
